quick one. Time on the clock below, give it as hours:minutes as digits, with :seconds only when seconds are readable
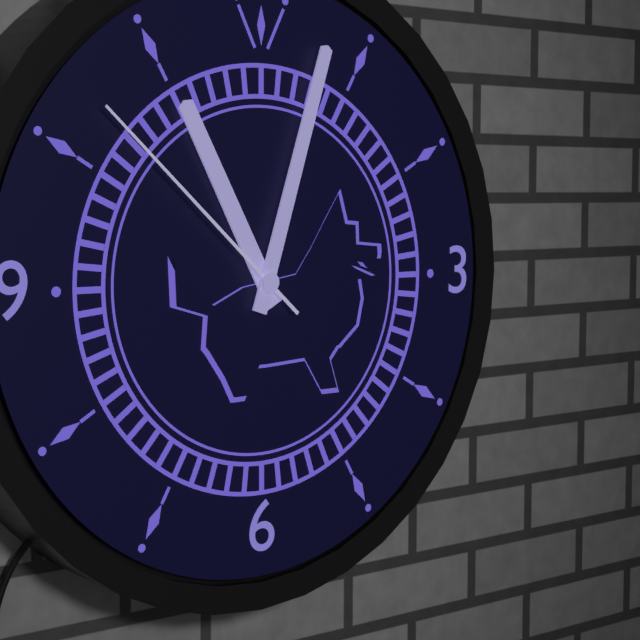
11:03:52
